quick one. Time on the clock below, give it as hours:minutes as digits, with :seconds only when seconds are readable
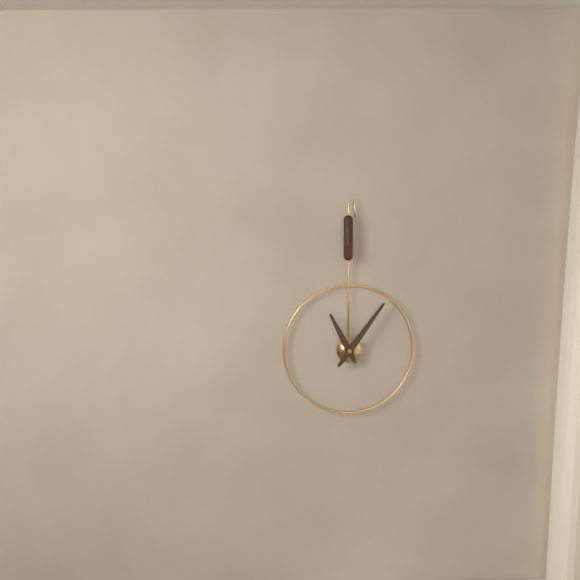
11:06
